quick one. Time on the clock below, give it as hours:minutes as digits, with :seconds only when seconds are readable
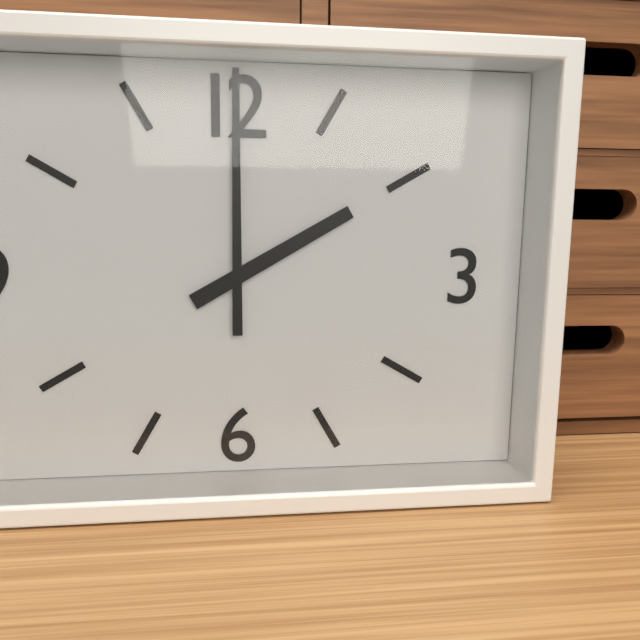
2:00
